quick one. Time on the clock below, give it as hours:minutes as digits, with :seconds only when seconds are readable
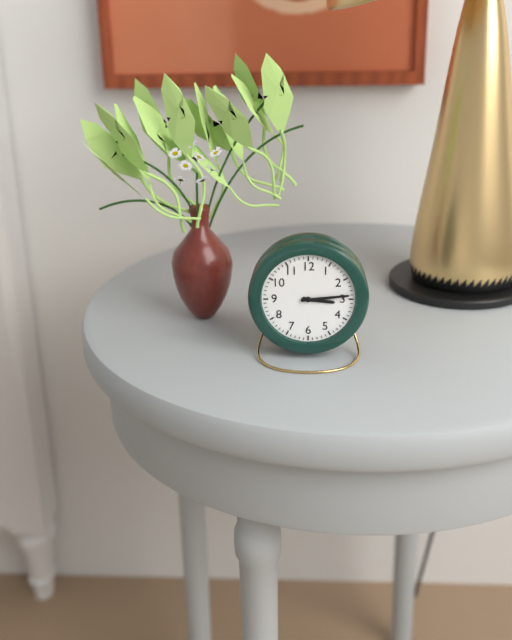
3:14
